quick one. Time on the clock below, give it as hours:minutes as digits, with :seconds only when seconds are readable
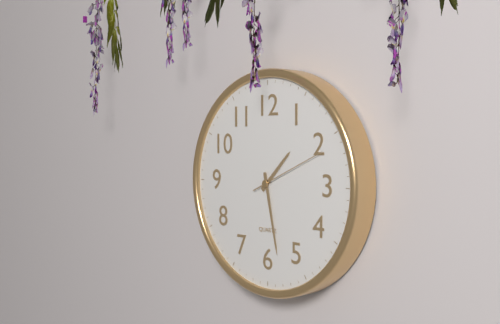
1:28:11
